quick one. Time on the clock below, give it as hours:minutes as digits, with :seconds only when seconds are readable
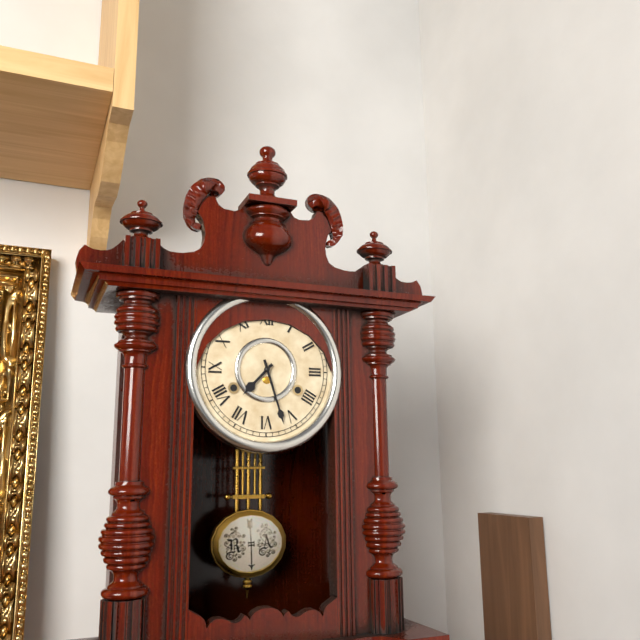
7:27
